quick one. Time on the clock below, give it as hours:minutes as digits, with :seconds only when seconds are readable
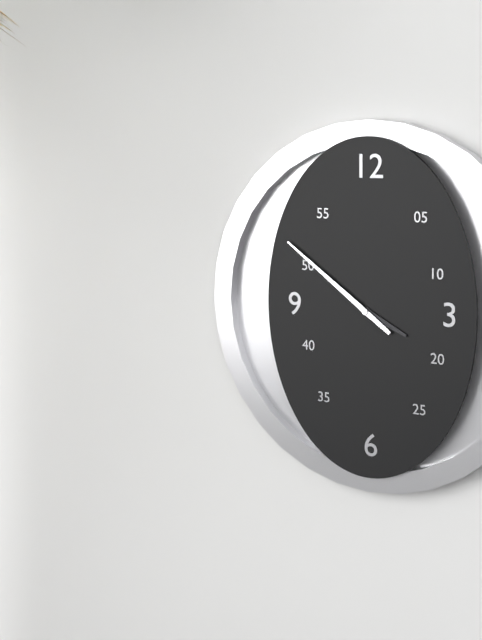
3:51
